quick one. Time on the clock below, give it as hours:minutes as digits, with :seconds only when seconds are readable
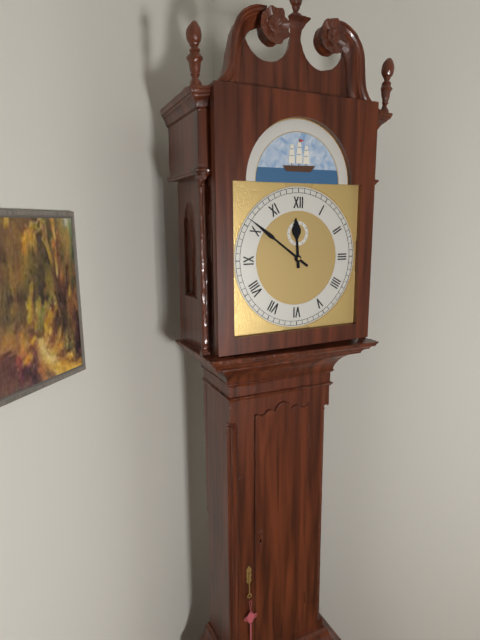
11:51
